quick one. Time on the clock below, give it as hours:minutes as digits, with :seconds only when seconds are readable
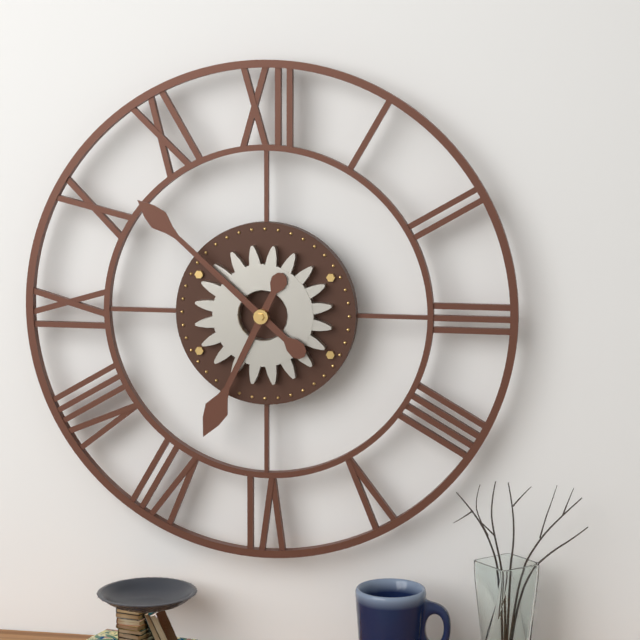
6:52
